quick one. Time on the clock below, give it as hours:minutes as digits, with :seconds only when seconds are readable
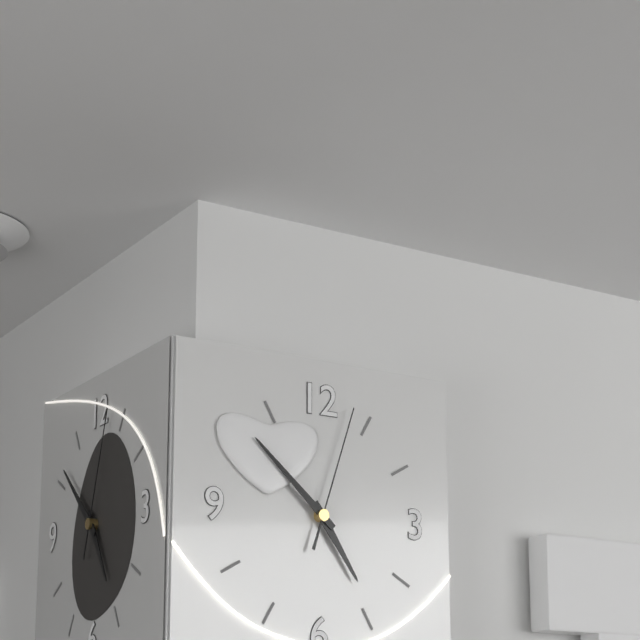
4:52:03
